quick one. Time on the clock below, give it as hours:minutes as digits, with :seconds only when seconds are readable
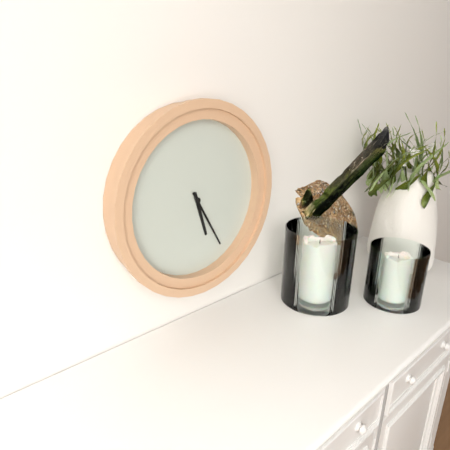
5:25
